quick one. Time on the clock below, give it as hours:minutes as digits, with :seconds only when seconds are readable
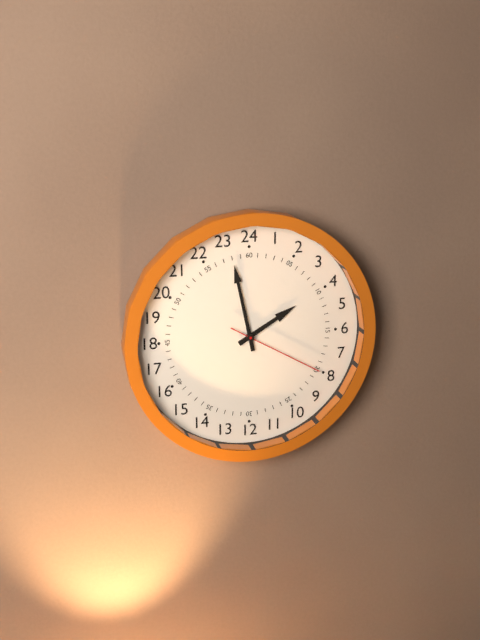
1:58:20
